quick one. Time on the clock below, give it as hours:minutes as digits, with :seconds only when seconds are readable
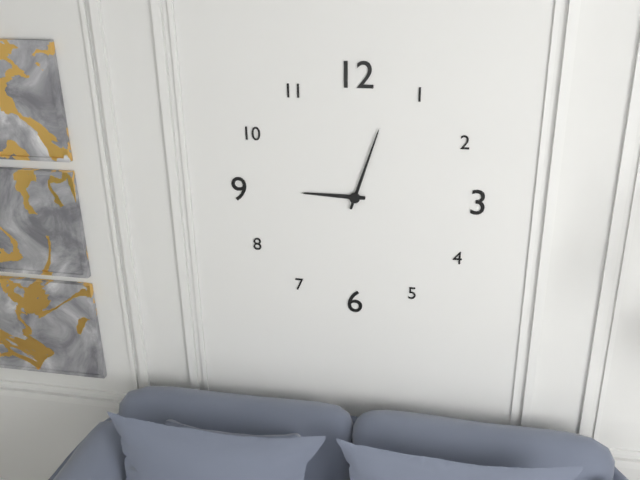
9:03
